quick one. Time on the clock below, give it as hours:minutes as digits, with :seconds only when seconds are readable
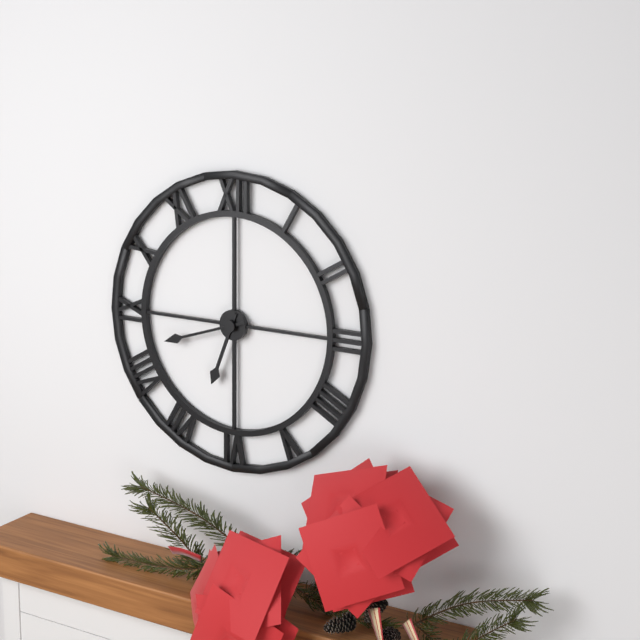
6:42
